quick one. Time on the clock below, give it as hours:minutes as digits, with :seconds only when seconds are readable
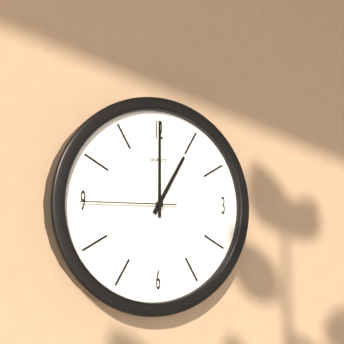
1:00:45
